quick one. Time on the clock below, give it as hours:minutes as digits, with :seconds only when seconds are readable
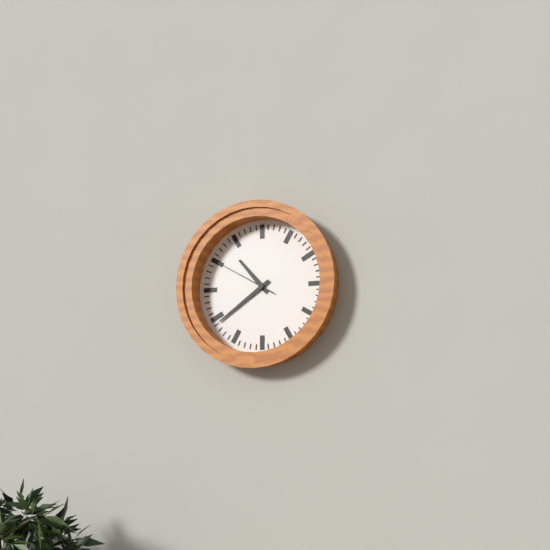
10:39:50
